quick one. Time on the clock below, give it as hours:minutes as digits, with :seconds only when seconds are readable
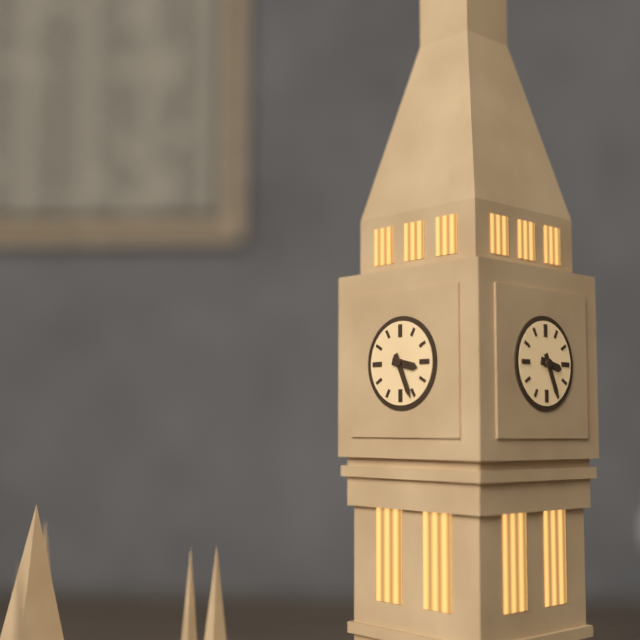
3:26
